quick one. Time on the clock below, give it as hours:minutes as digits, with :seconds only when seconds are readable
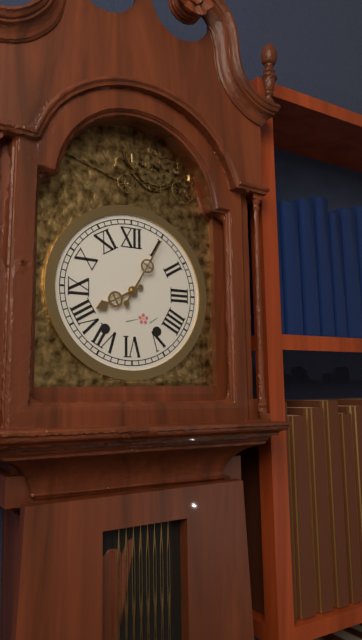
8:05
